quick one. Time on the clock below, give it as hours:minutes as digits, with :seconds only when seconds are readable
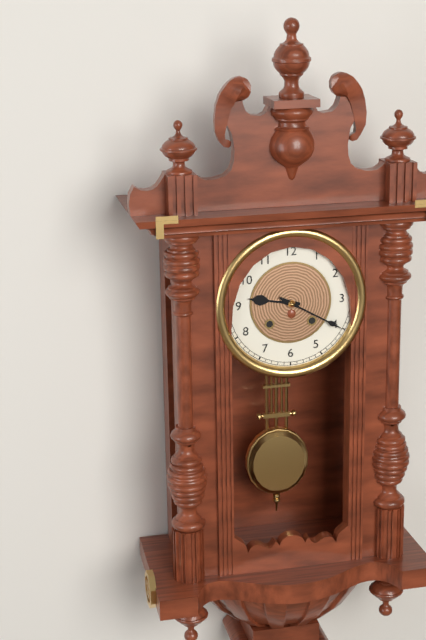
9:20
